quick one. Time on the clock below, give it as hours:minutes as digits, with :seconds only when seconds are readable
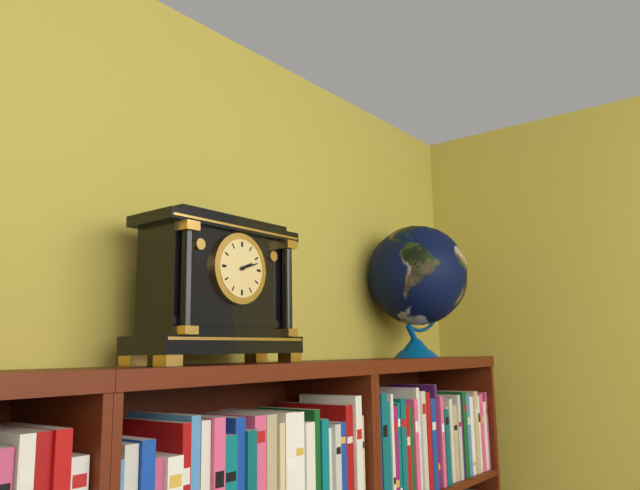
2:12
